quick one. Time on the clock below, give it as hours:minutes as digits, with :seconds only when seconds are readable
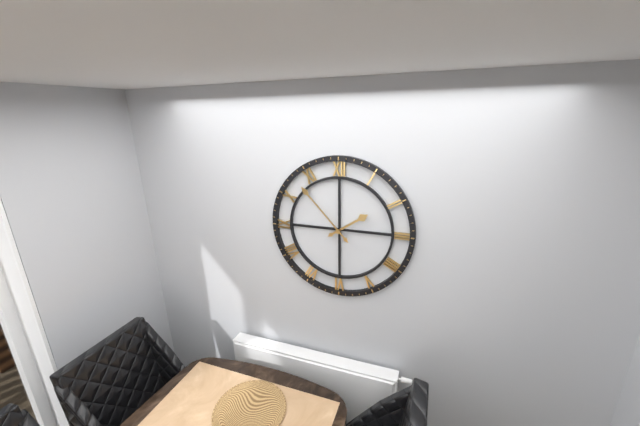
1:53
